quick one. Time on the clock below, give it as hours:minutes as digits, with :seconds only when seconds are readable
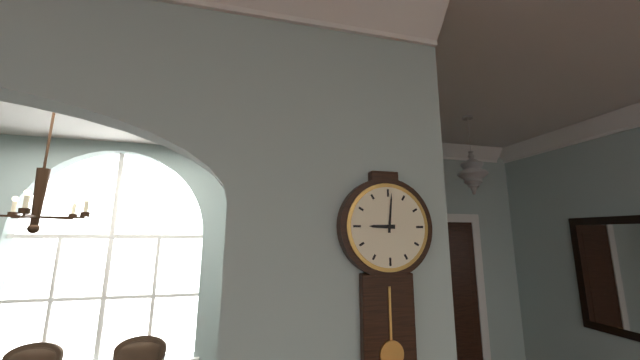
9:01
